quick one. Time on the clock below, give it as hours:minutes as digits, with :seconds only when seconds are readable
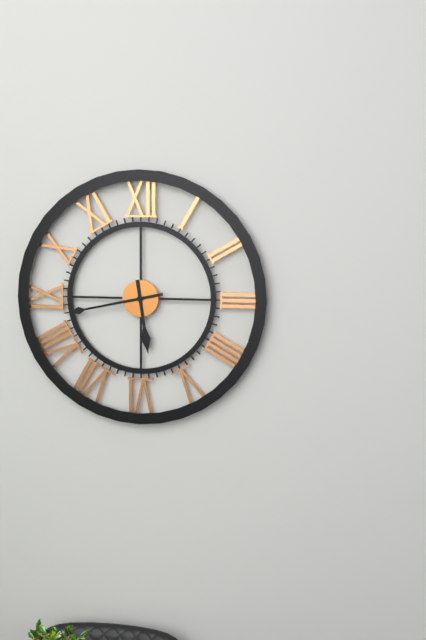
5:43
